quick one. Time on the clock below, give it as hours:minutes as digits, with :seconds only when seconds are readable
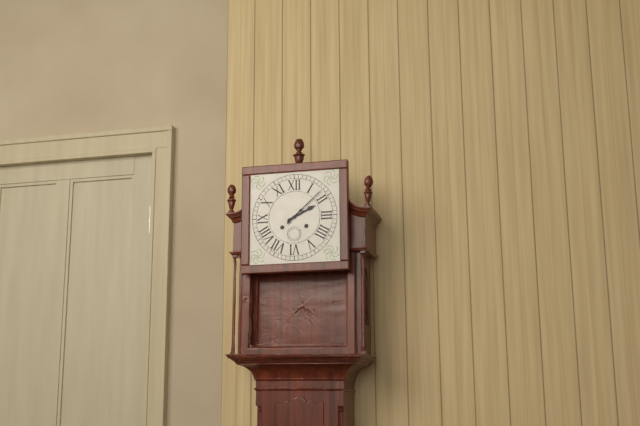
2:08
